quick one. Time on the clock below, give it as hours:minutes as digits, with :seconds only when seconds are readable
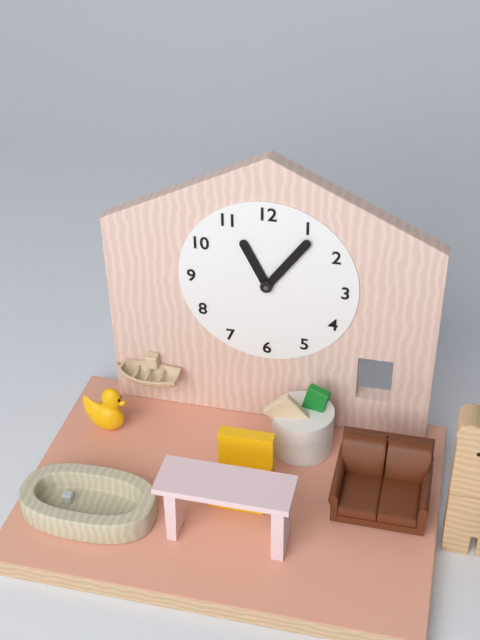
11:06
